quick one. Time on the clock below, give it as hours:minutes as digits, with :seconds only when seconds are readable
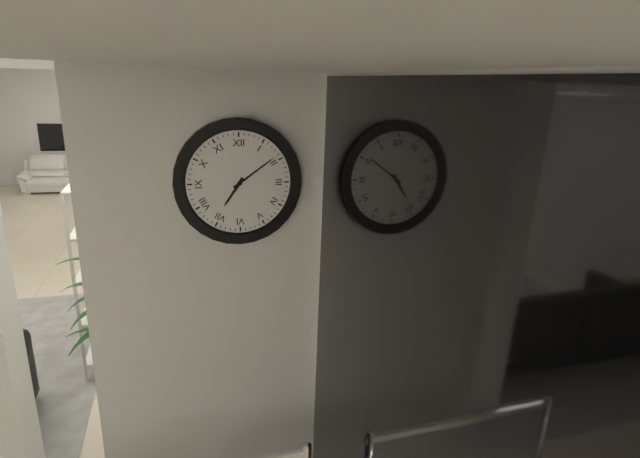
7:09
